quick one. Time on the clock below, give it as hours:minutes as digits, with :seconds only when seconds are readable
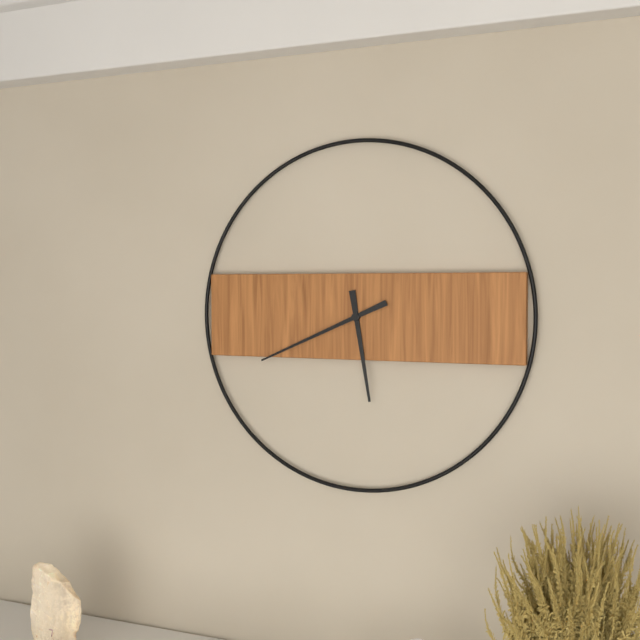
5:41
